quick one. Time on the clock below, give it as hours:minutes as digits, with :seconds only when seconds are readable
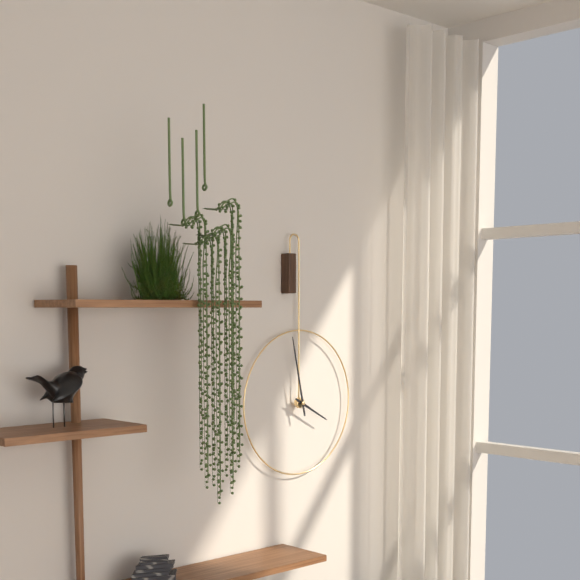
3:58
